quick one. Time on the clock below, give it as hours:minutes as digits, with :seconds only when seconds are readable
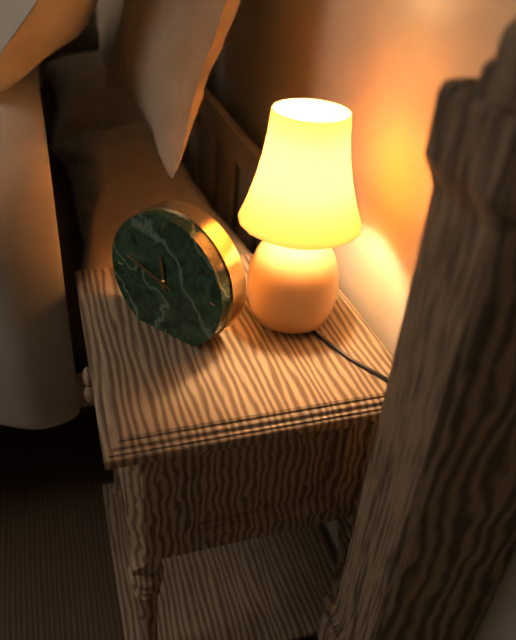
11:48
